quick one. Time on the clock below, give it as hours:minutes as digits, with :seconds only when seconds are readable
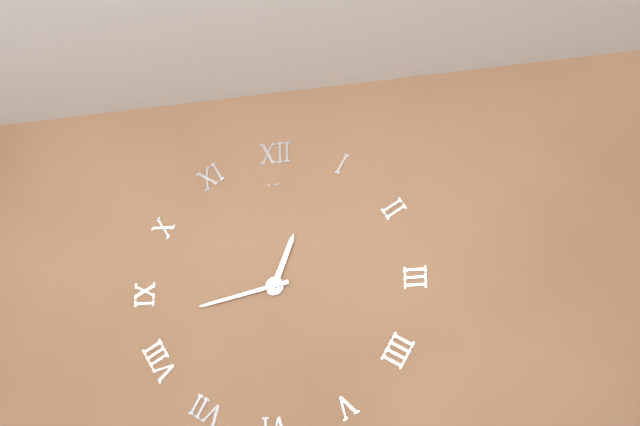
12:43
